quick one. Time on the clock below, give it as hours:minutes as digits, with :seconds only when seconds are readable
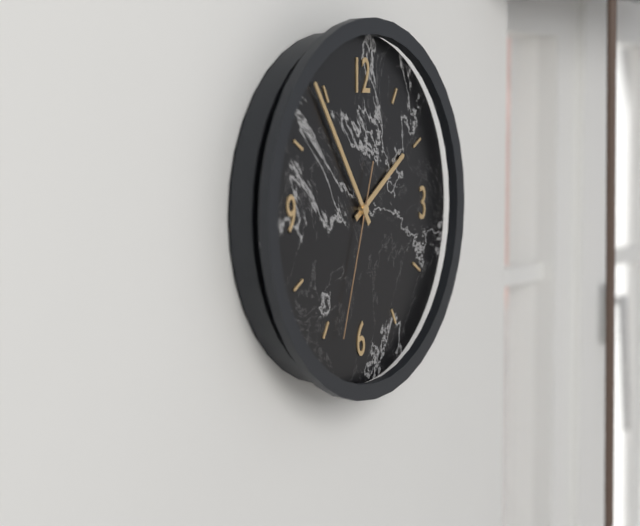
1:54:33
